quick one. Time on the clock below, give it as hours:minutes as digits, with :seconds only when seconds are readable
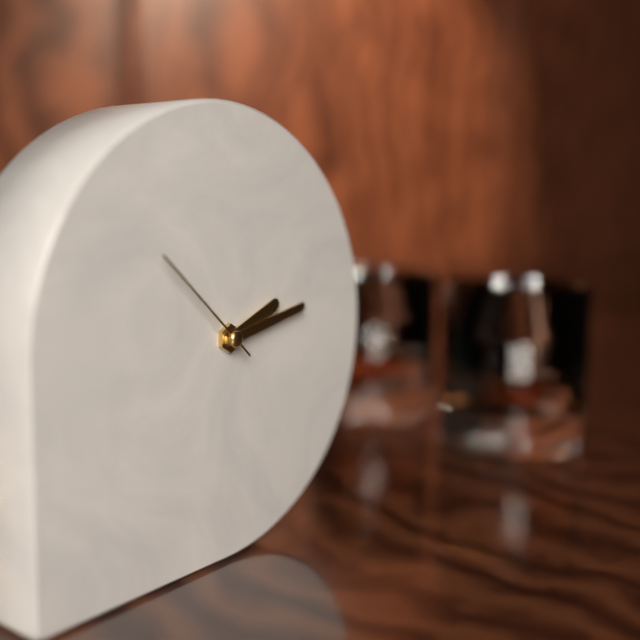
2:13:52
